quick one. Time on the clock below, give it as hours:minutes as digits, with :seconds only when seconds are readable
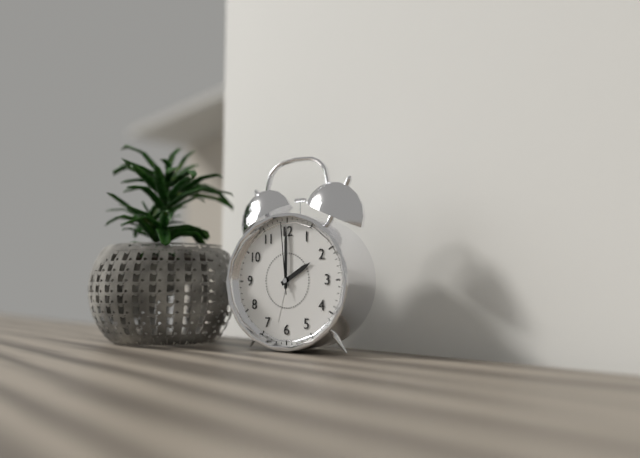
2:00:59
